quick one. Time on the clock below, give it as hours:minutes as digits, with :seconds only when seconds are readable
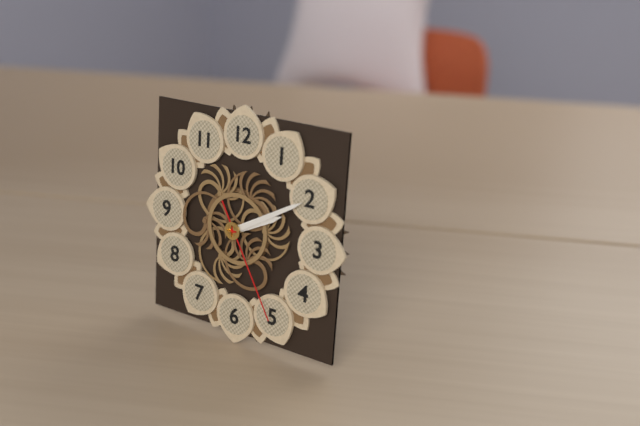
2:10:25
